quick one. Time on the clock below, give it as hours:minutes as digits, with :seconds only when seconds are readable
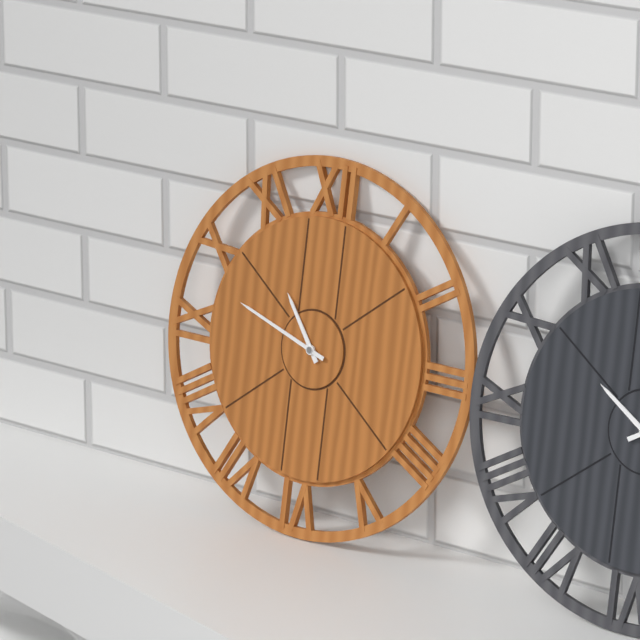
10:48
